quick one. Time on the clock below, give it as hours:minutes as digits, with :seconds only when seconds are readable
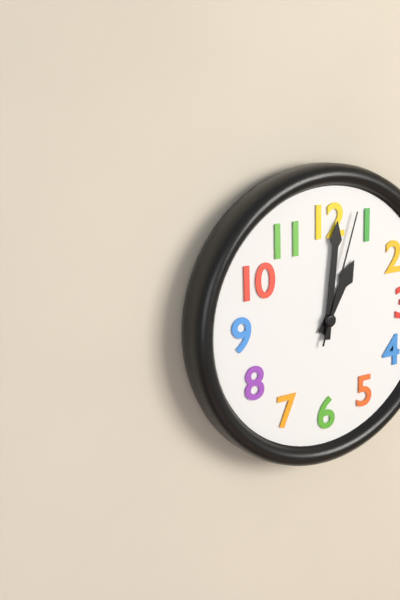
1:01:03
